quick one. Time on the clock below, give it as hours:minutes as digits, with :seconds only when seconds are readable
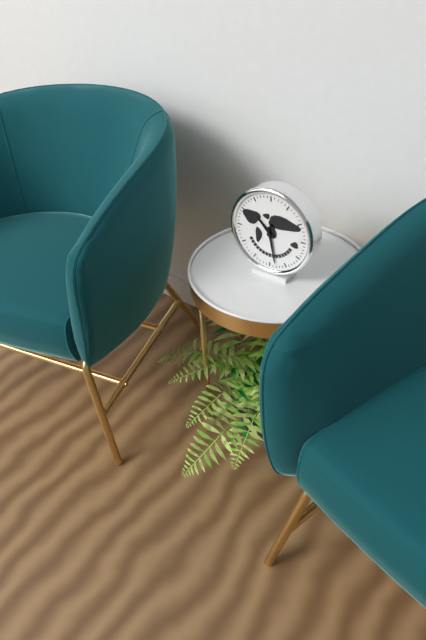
10:28
